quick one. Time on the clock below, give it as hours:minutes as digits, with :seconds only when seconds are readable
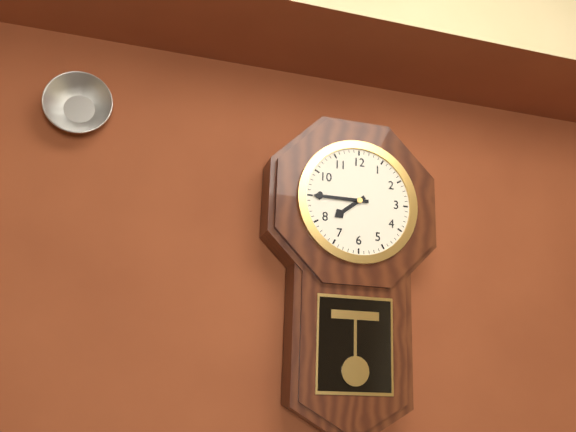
7:45
